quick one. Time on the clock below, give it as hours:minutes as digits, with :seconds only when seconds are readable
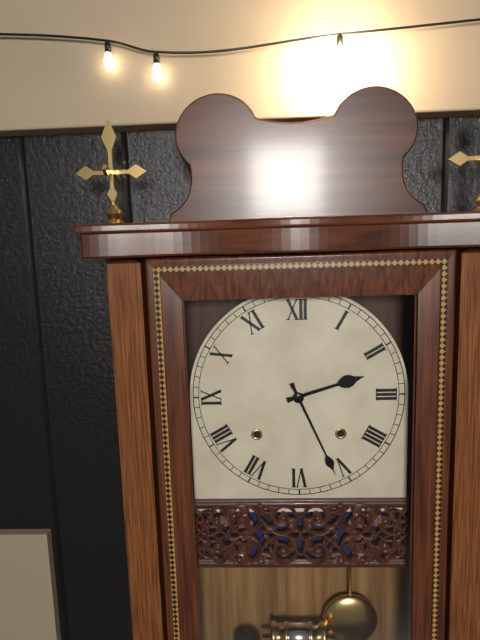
2:26
